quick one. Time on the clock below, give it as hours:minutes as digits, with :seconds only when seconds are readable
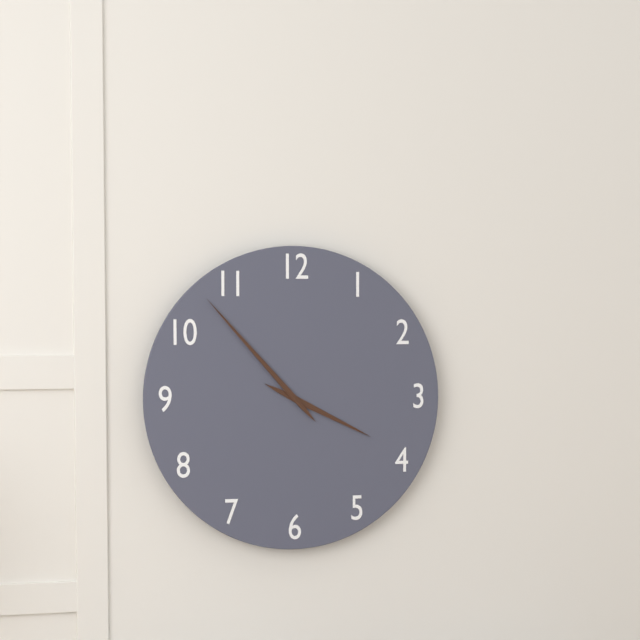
3:53
